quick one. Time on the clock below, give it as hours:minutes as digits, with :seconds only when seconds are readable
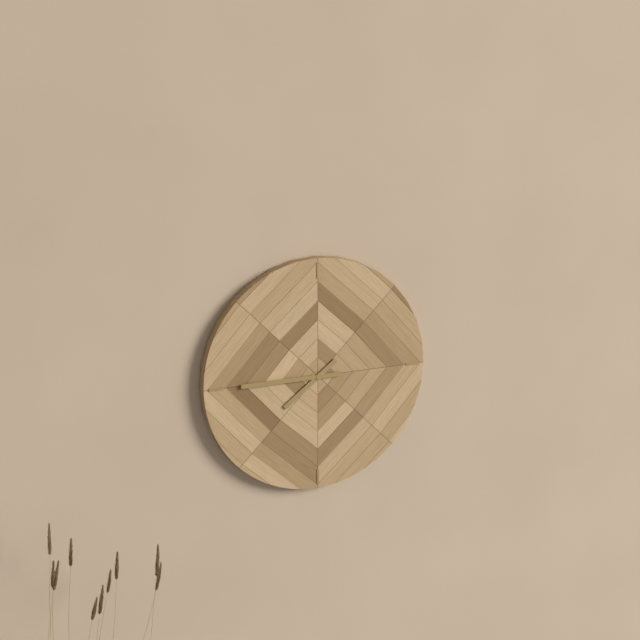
7:45
